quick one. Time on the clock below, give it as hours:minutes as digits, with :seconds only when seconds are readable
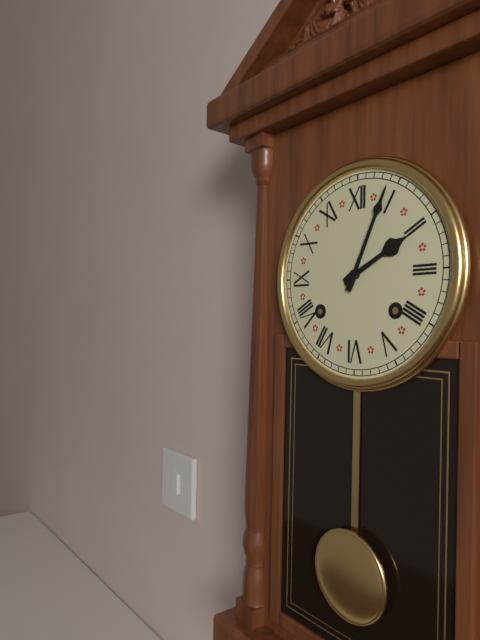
2:04
